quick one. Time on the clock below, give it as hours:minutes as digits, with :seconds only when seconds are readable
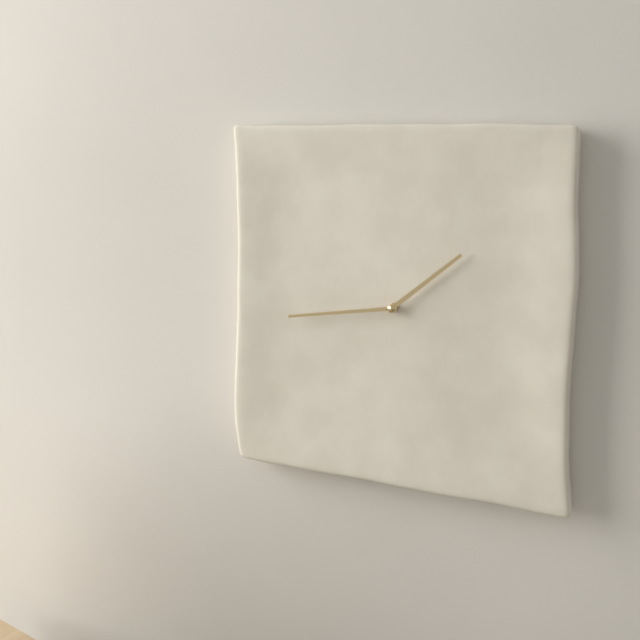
1:44
